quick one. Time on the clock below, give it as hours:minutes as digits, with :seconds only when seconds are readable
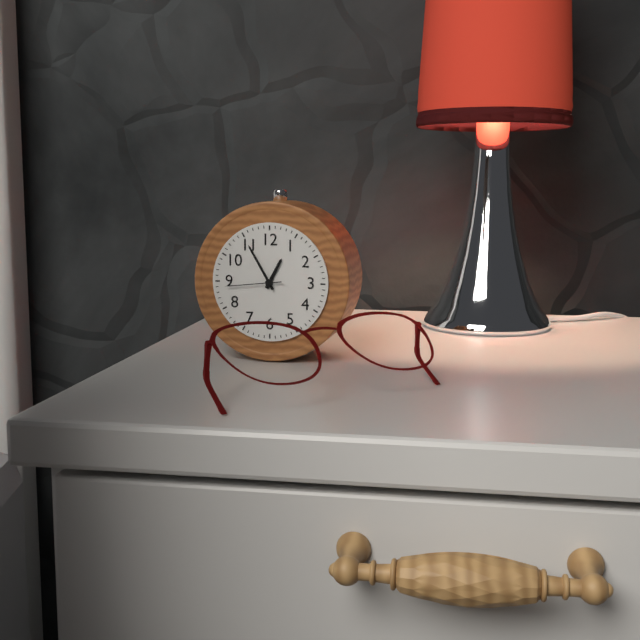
12:55:44
